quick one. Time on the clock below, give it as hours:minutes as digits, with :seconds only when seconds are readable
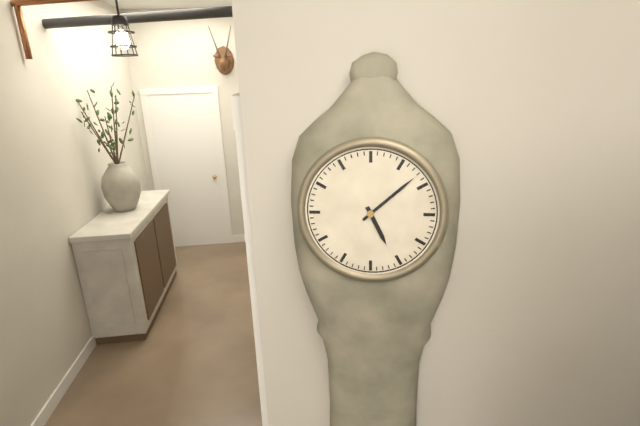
5:08
